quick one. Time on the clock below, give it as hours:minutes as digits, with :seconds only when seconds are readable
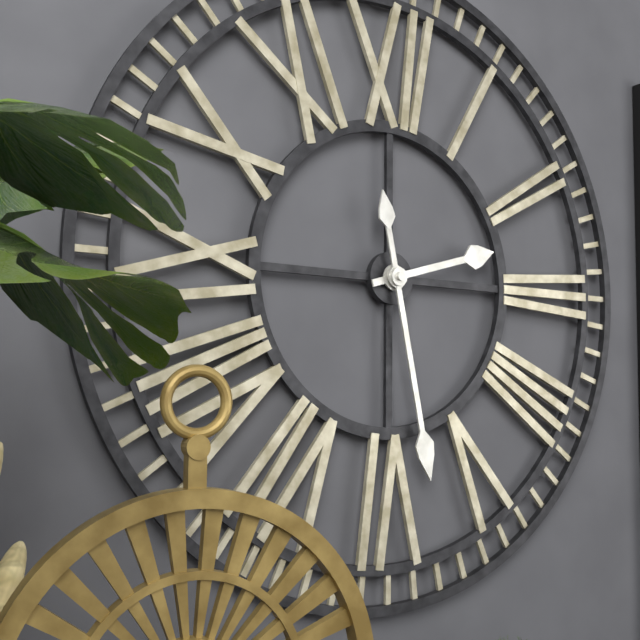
2:28
